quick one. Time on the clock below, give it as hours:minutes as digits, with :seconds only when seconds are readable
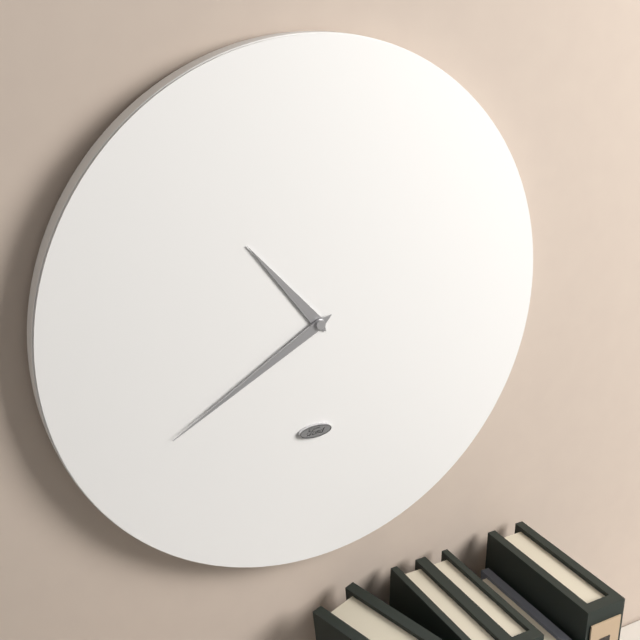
10:40
